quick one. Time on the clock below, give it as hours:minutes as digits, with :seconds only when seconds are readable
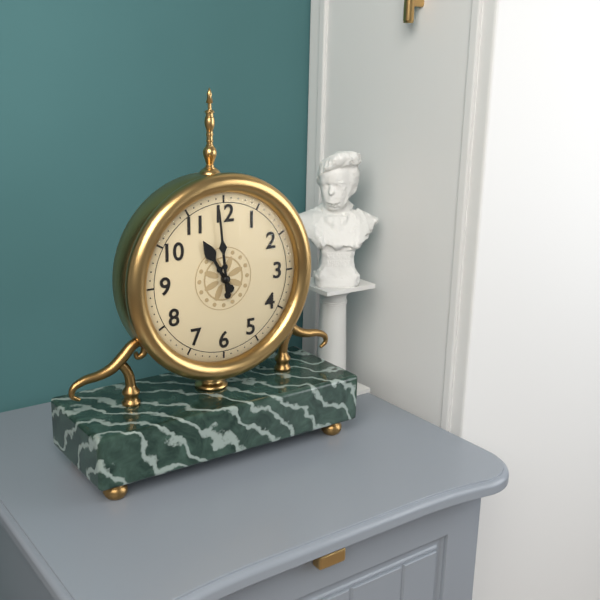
10:59
